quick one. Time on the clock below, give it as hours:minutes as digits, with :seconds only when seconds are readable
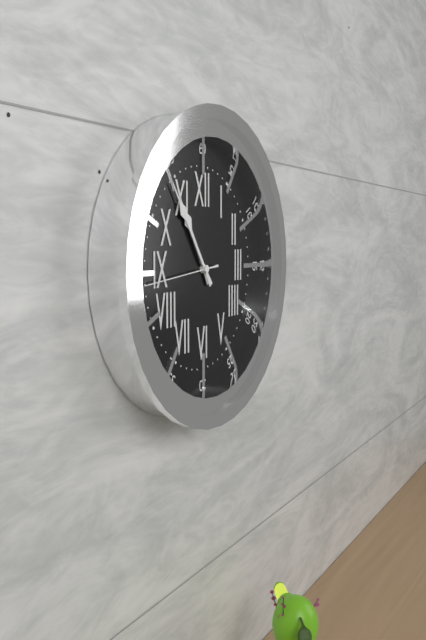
10:54:44
